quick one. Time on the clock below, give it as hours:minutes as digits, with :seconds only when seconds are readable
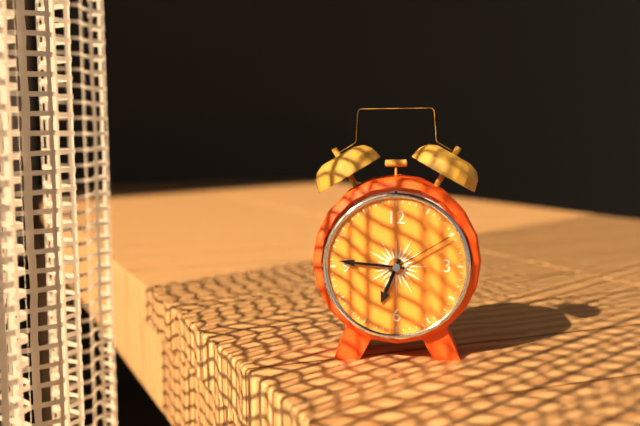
6:46:10
